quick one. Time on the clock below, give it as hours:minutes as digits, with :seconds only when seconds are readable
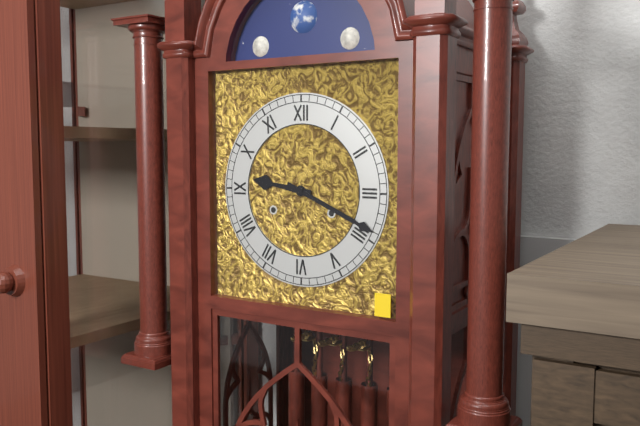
9:19
